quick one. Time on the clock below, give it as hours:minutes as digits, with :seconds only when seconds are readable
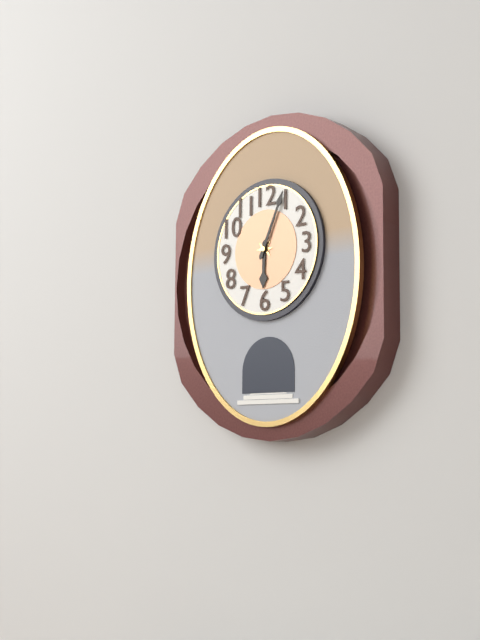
6:04
